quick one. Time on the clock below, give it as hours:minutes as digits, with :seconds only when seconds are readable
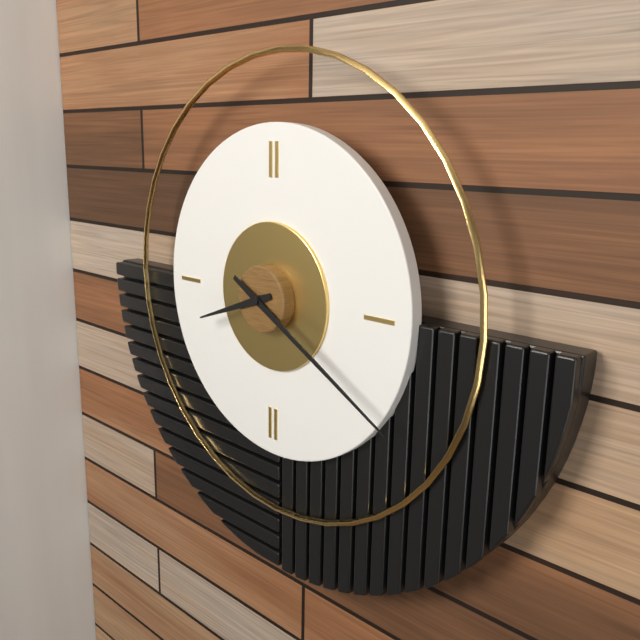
8:20
